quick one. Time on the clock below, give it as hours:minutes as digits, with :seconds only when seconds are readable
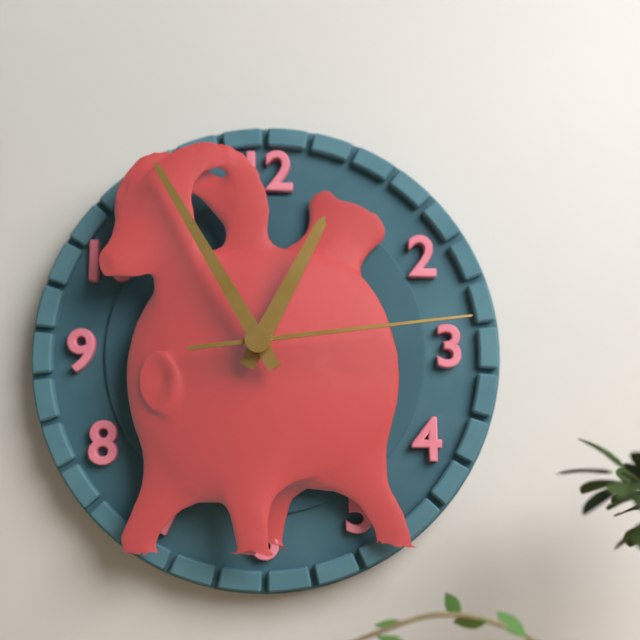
12:55:14
